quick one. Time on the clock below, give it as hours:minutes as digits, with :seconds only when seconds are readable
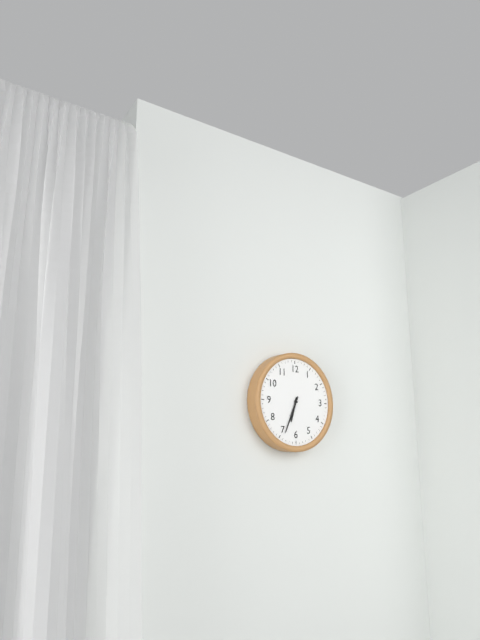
6:34
